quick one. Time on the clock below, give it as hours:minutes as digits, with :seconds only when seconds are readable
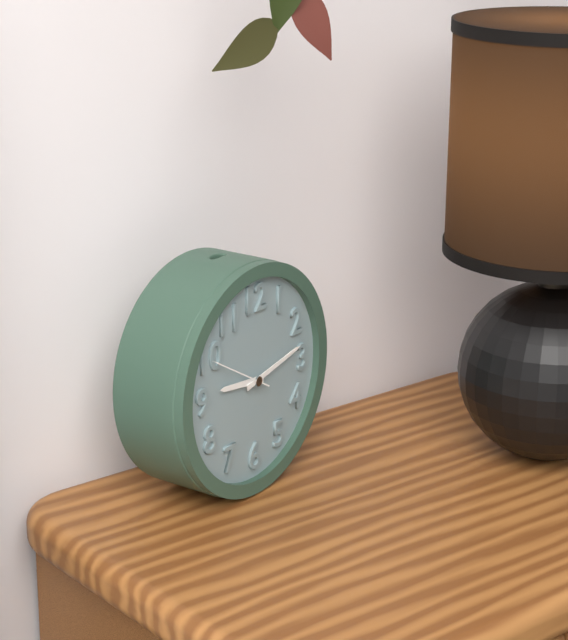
9:13:50
